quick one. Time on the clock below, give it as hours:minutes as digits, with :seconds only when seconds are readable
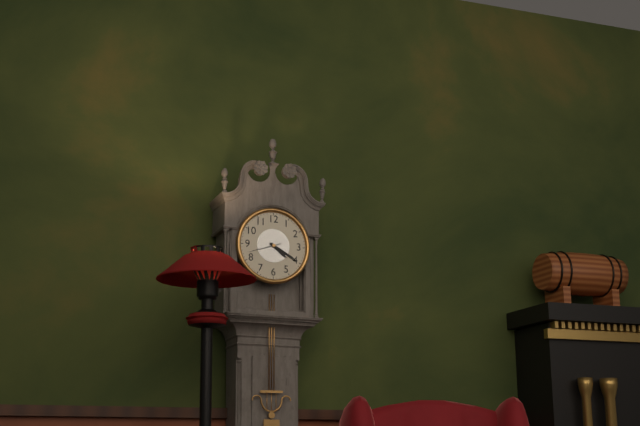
4:20
